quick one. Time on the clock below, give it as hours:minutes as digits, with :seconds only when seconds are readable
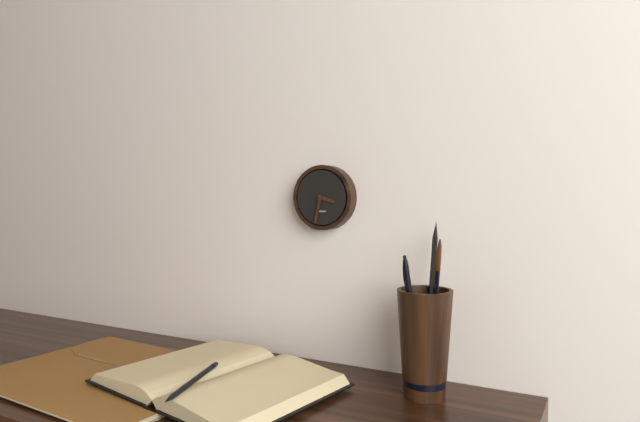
3:32
